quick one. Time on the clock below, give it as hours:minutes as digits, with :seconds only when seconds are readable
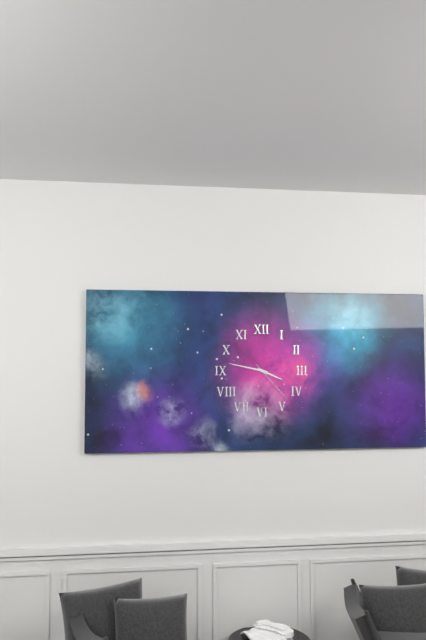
3:47:23
